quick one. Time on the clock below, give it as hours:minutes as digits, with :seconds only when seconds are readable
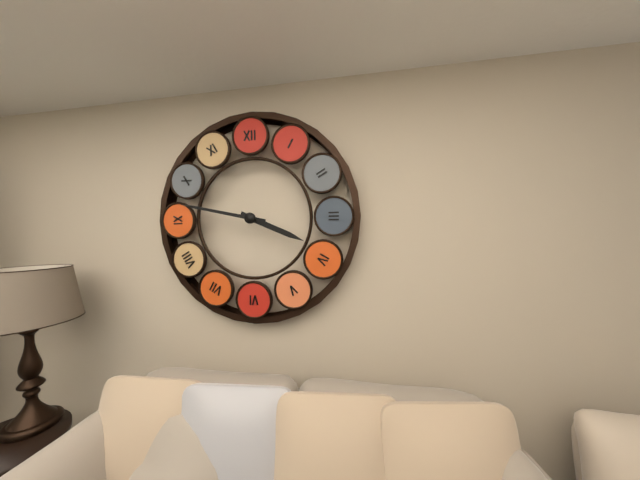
3:47
